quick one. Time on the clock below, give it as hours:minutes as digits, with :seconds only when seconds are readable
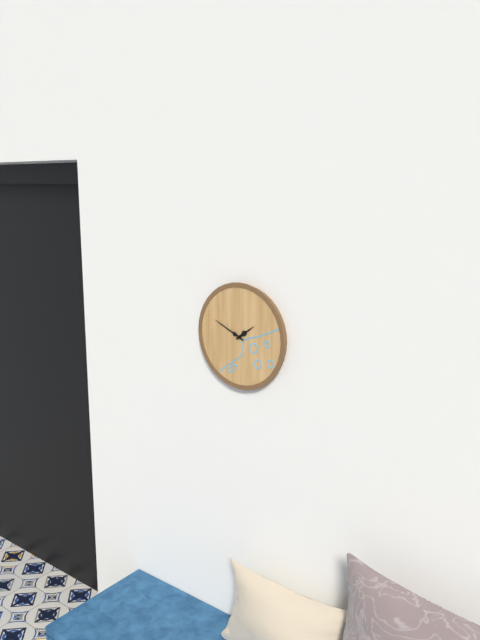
1:49
